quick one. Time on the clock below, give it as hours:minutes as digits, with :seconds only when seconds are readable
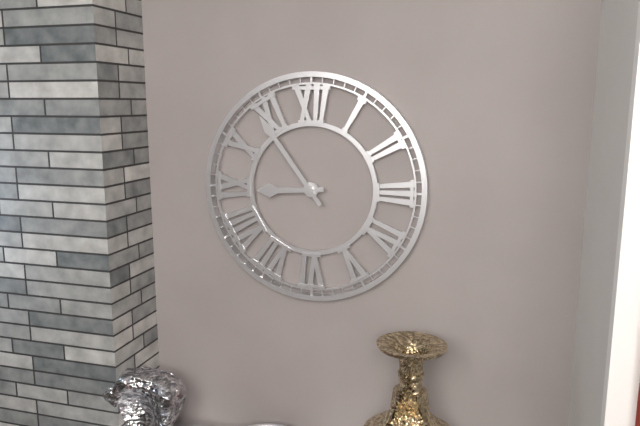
8:54
